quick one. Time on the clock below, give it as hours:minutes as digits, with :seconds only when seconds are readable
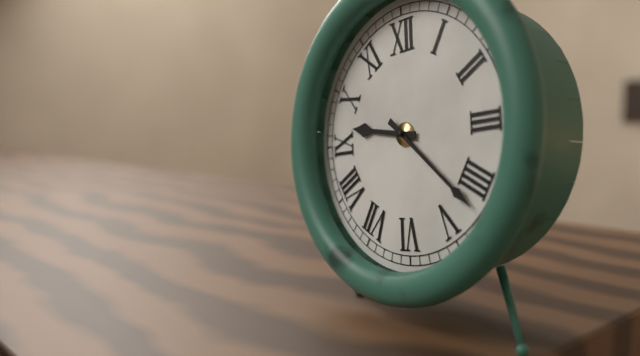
9:22
